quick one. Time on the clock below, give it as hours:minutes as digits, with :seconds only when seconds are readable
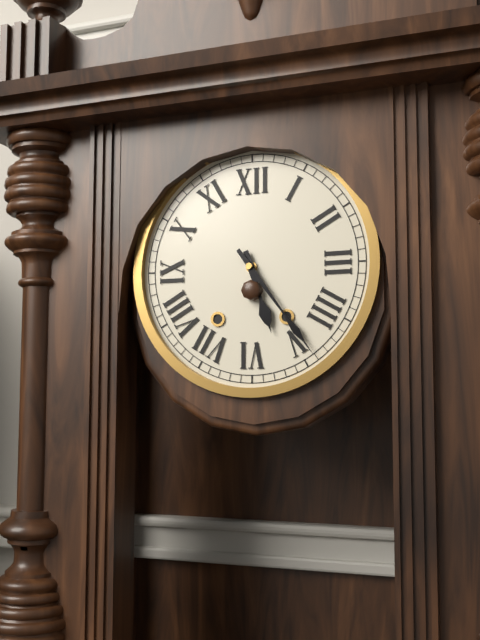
5:24
